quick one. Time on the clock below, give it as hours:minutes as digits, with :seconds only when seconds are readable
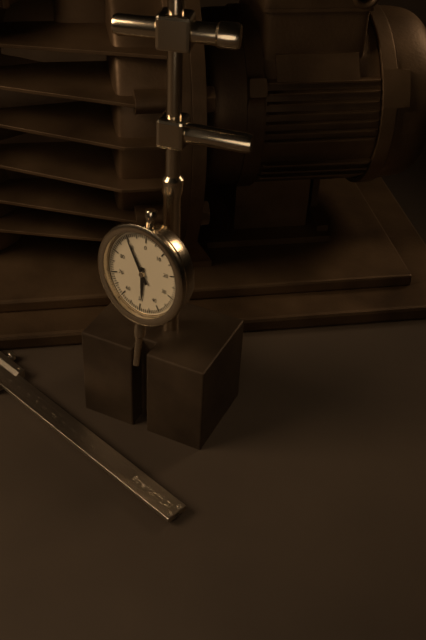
5:54
